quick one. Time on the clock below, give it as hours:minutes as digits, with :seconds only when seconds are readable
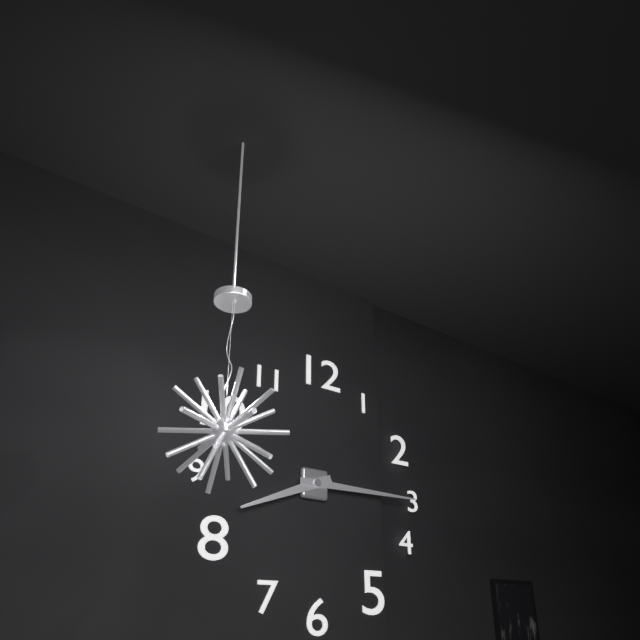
8:15
